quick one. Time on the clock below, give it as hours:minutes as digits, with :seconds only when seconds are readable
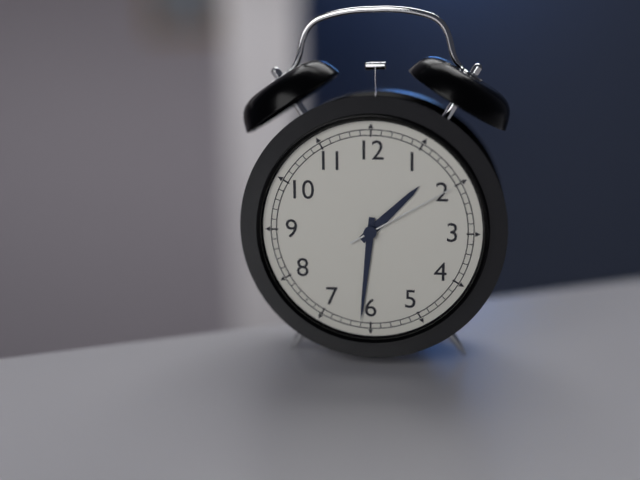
1:31:10
